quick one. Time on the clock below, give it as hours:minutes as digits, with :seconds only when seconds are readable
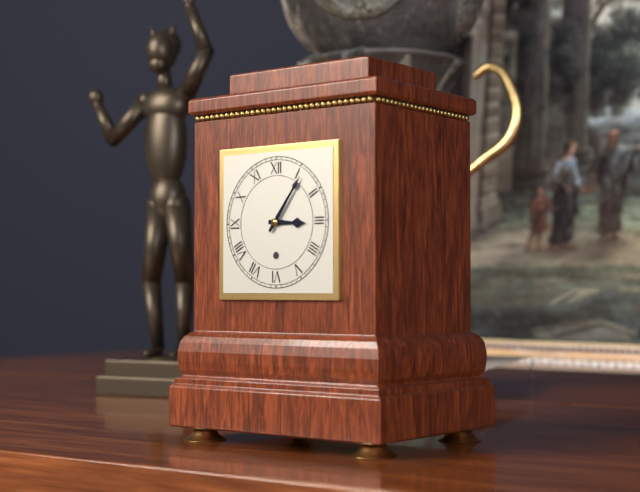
3:06
